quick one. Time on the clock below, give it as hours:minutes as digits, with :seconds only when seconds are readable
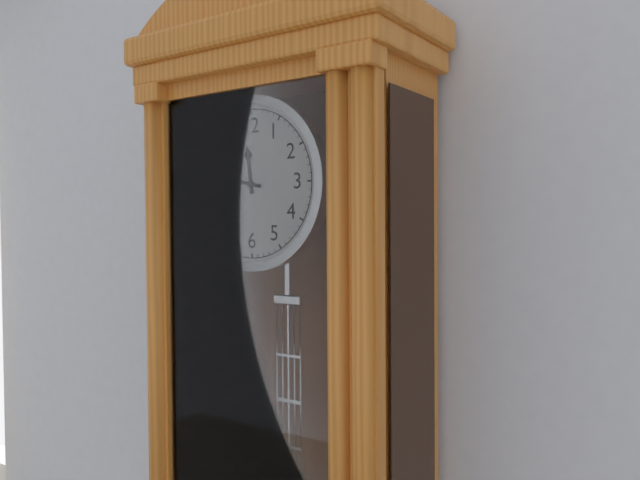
11:47
